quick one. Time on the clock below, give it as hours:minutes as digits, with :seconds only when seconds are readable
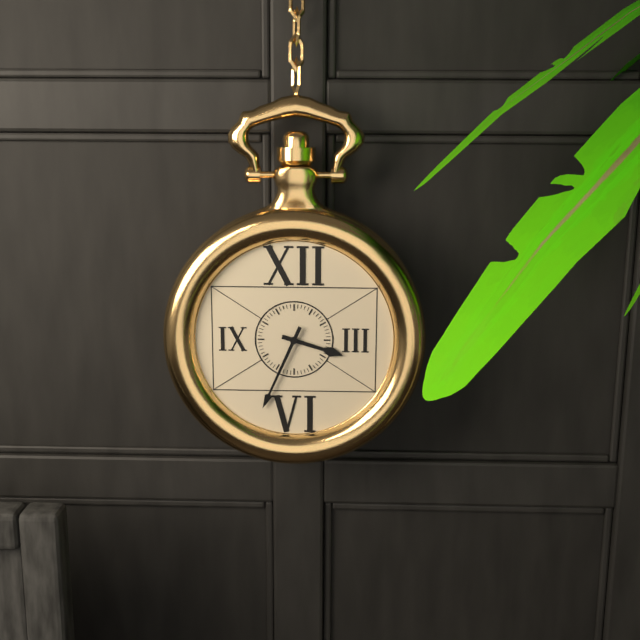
3:34
